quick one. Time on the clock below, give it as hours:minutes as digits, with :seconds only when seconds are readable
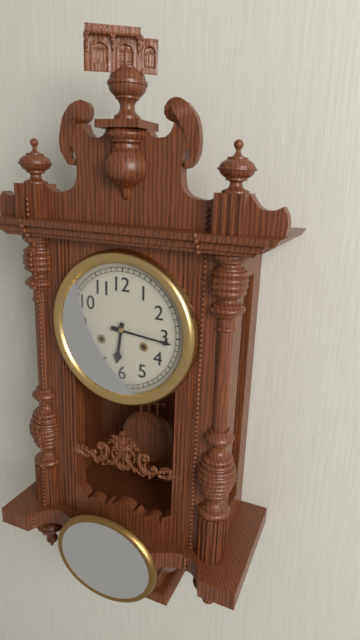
6:16
